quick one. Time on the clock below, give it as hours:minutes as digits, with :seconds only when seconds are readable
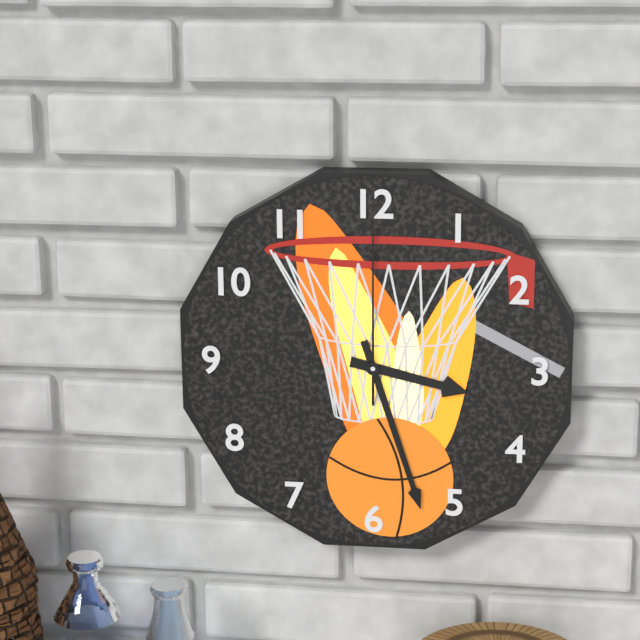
3:27:00
